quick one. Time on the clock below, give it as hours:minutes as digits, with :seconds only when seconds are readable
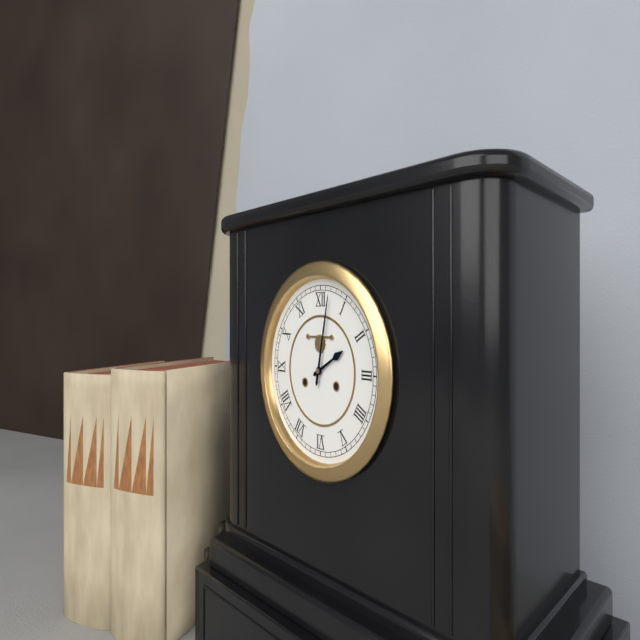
2:02
